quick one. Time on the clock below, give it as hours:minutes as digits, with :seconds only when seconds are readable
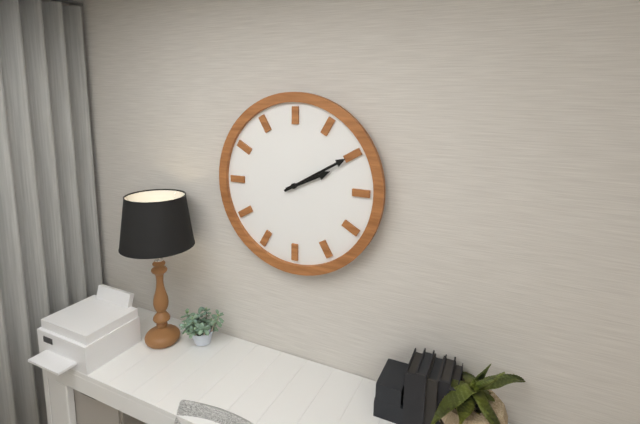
2:10
